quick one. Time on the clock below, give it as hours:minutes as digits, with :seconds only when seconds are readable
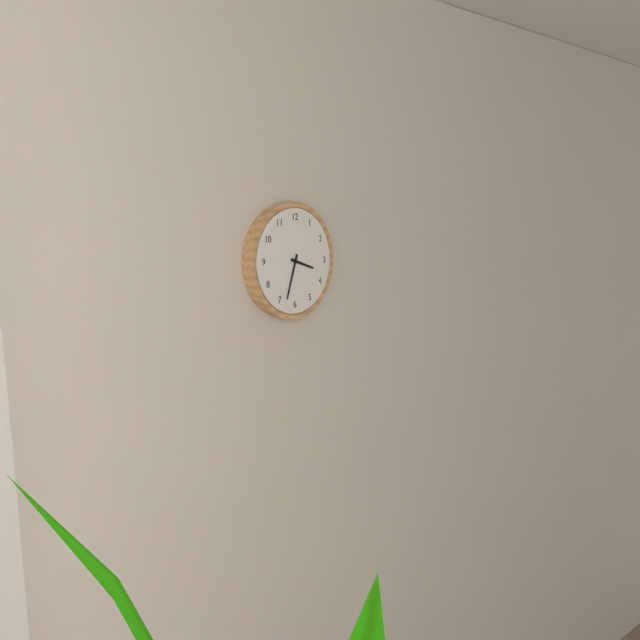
3:33
